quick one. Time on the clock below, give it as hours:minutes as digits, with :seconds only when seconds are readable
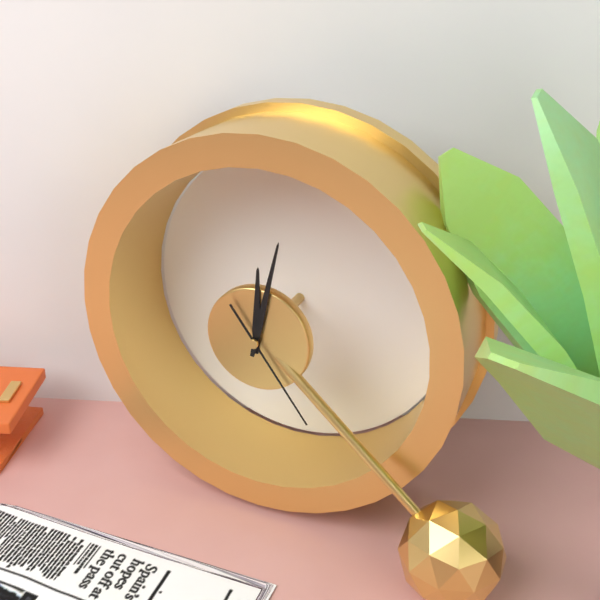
12:02:24
